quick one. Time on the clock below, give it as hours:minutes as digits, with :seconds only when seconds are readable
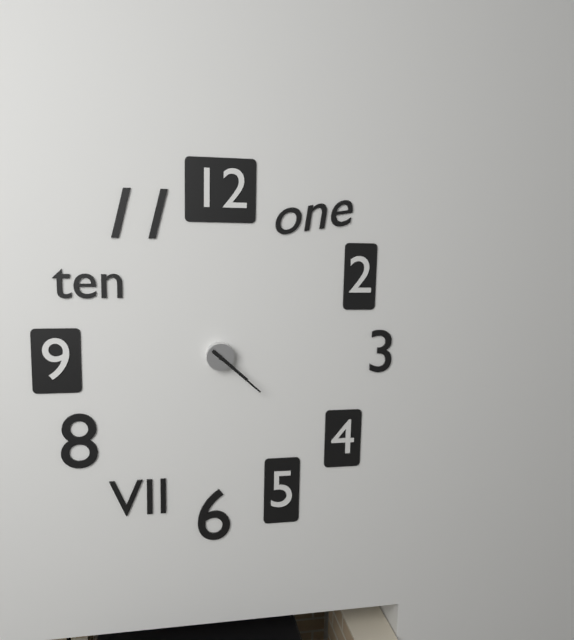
4:22
